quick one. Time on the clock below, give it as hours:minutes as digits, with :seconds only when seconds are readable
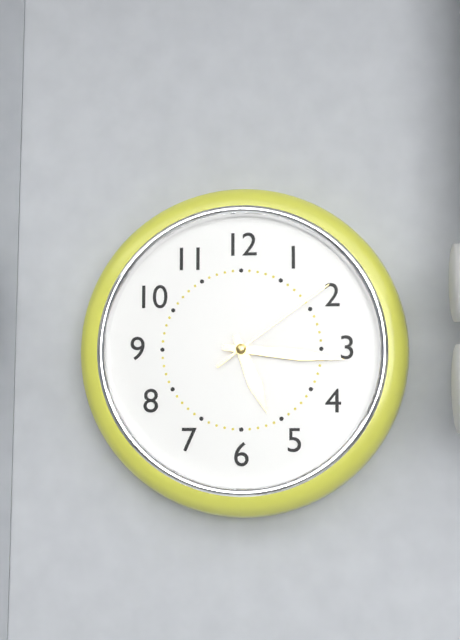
5:16:09
